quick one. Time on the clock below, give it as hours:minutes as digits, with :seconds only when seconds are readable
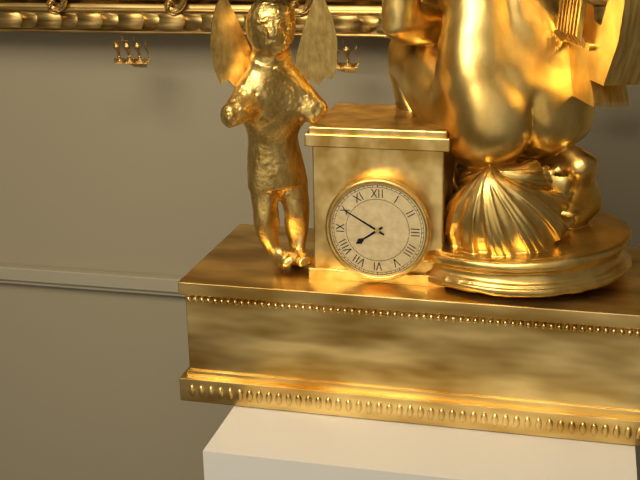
7:50
